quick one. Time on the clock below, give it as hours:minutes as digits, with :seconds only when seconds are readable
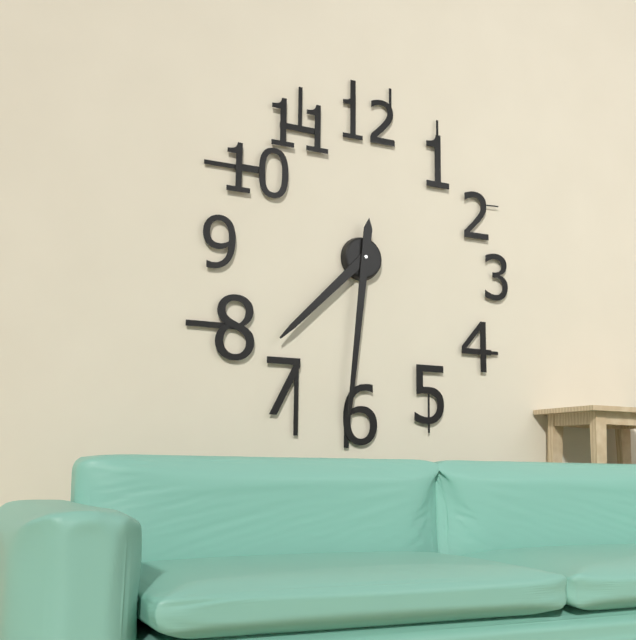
7:31
